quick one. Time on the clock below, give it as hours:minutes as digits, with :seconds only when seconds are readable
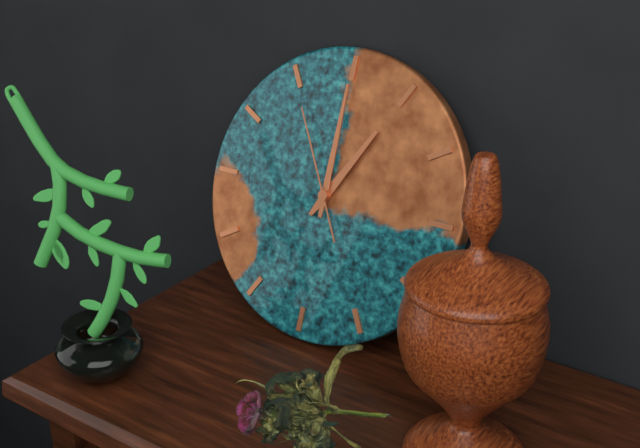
1:00:55
